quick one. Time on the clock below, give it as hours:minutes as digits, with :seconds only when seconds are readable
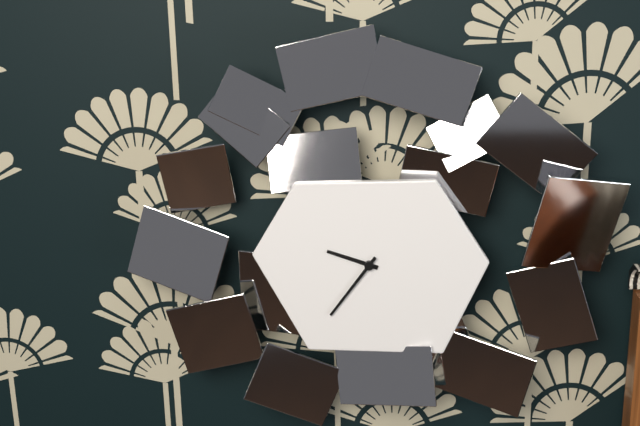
9:36
